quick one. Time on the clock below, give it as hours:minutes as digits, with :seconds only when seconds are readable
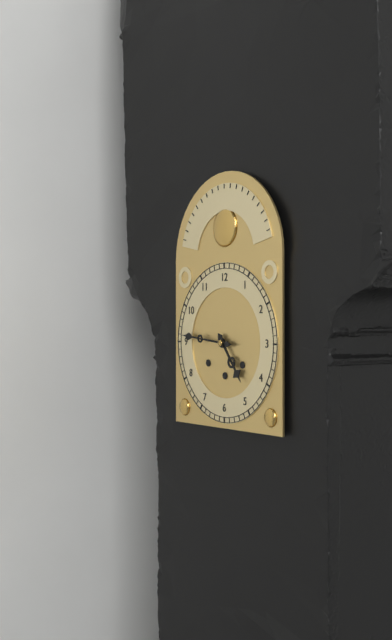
4:46
